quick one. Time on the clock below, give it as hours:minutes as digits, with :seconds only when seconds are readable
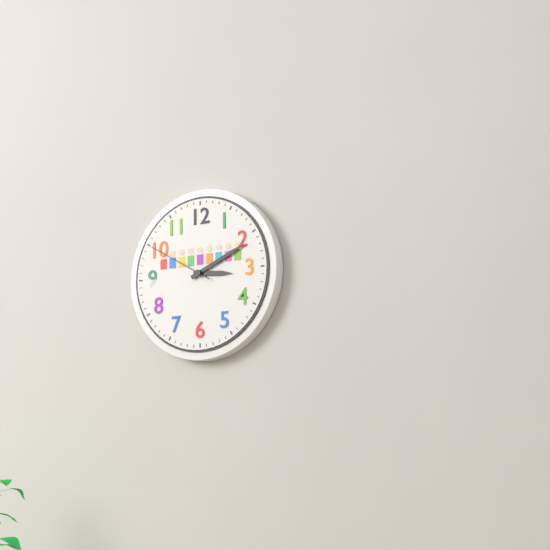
3:11:50
